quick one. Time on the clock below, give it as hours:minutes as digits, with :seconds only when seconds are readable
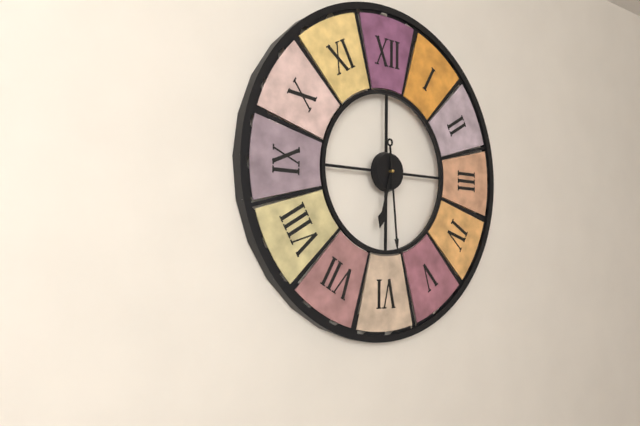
6:29
